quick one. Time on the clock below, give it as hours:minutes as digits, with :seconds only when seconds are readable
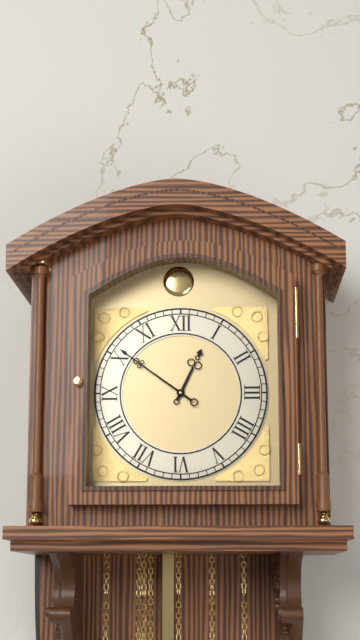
12:51
